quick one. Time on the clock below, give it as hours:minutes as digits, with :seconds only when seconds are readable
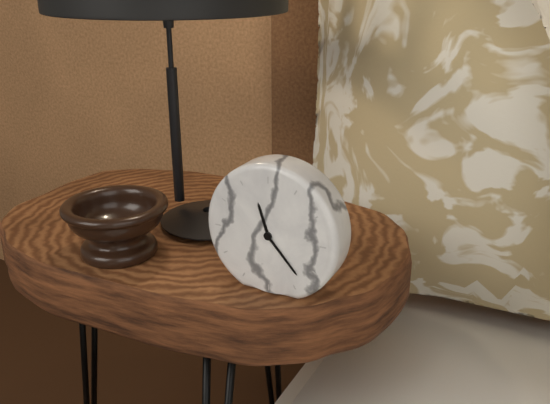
11:23
